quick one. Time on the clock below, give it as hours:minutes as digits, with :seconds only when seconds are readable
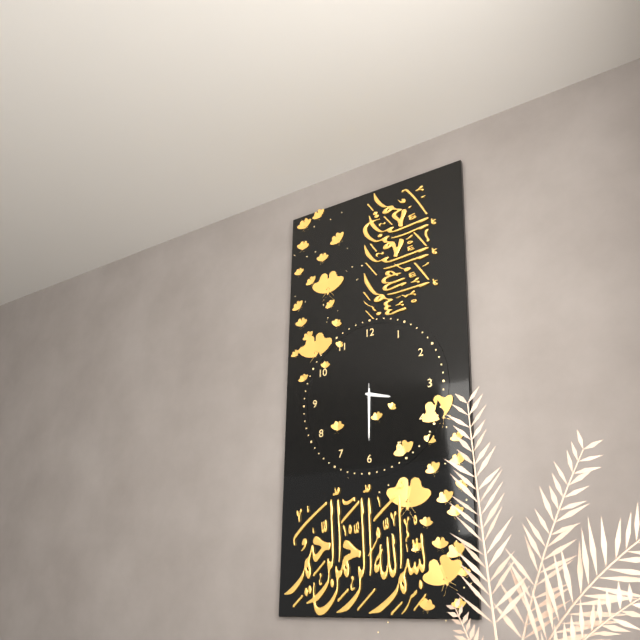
3:30:30
